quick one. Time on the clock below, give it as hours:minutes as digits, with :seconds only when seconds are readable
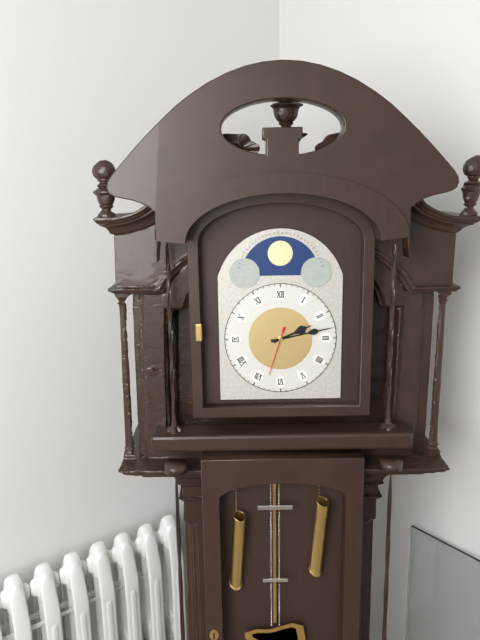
2:13
